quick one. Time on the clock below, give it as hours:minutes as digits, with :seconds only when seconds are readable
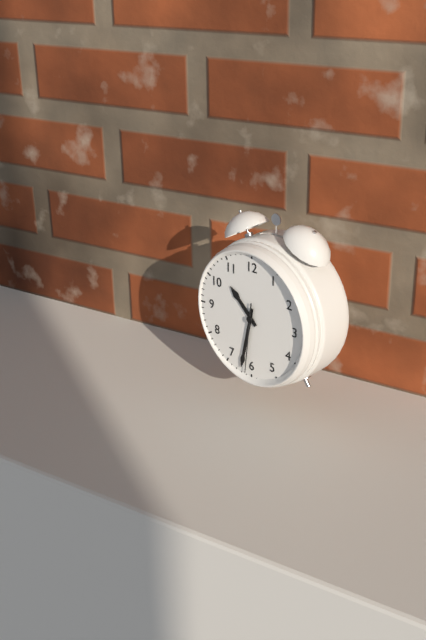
10:32:31
